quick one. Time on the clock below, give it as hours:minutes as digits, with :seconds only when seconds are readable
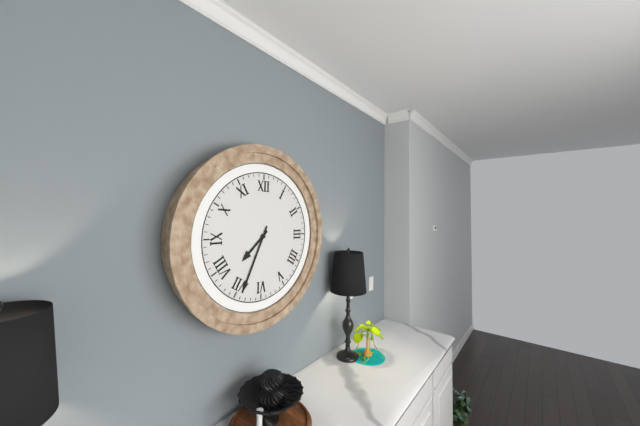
7:34
